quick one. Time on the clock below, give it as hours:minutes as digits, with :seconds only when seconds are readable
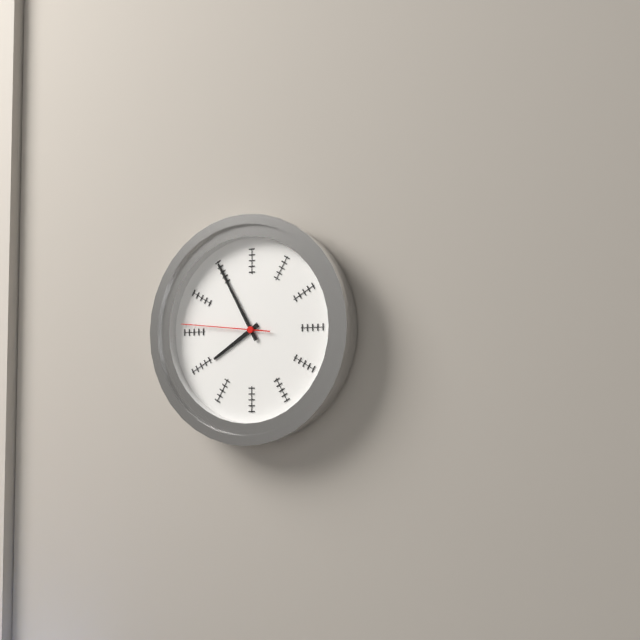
7:55:46
